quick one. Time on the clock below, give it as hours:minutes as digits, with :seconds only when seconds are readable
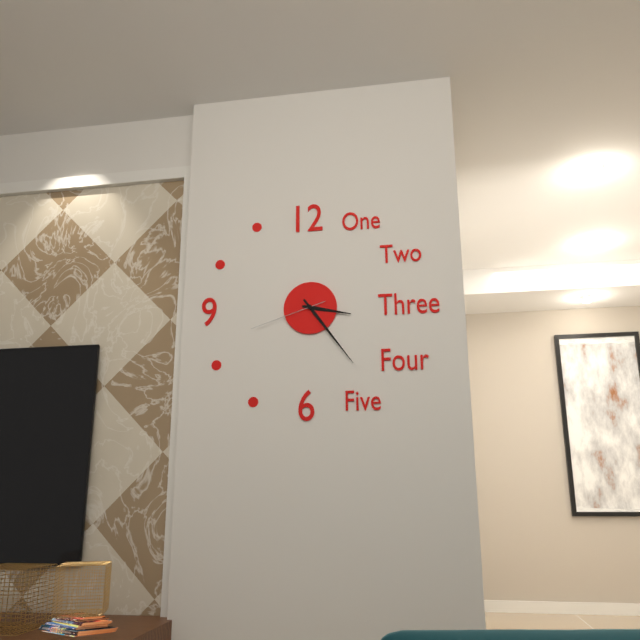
3:24:42
